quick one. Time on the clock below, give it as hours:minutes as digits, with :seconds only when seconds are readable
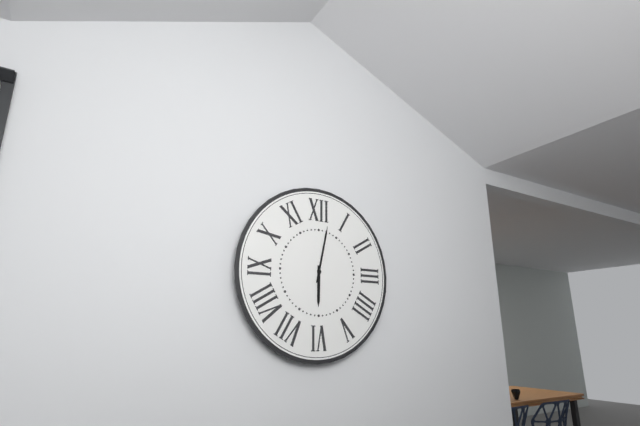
6:02
